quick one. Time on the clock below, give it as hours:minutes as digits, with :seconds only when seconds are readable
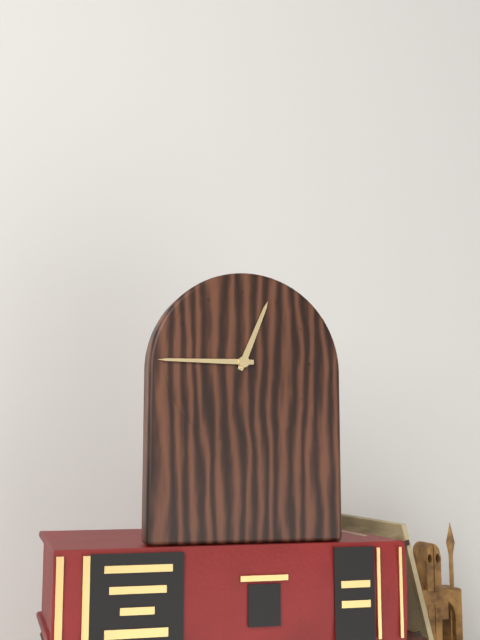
12:45
